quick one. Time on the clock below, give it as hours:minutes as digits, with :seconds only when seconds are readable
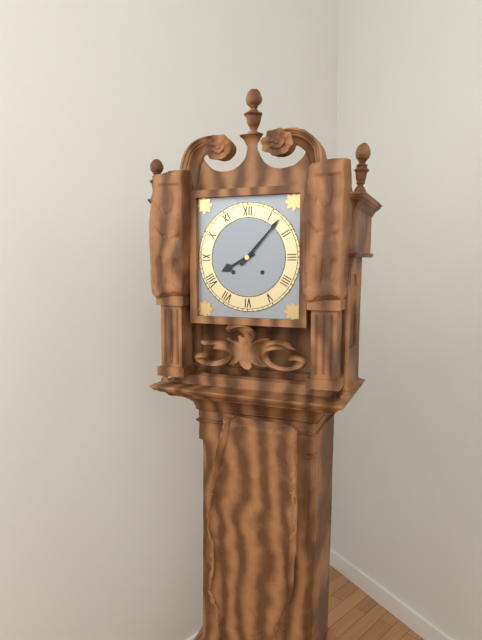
8:07
